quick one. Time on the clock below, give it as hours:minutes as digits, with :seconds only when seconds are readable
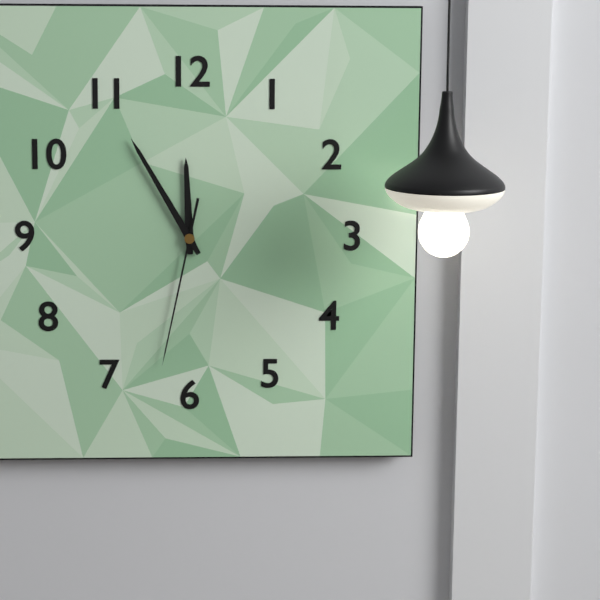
11:55:32
